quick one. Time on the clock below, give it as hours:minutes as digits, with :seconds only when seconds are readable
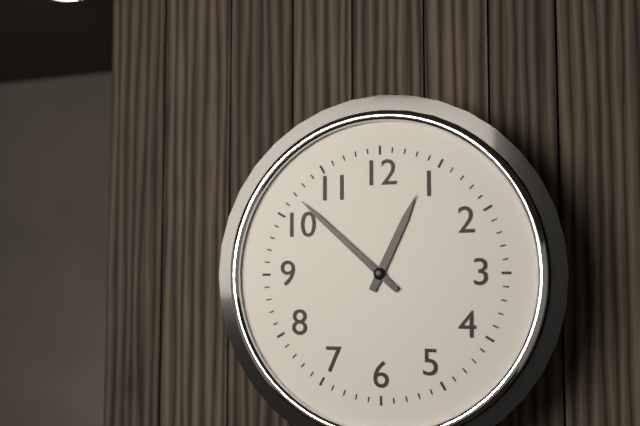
12:52
